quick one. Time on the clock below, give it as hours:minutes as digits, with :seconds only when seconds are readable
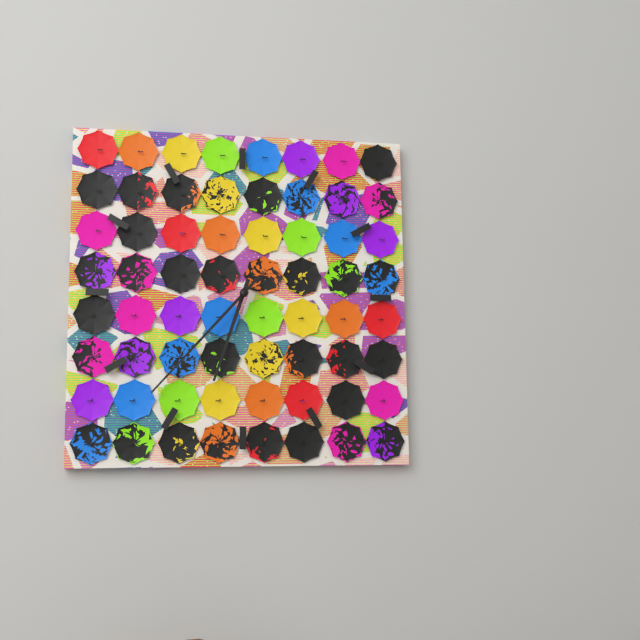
6:37
